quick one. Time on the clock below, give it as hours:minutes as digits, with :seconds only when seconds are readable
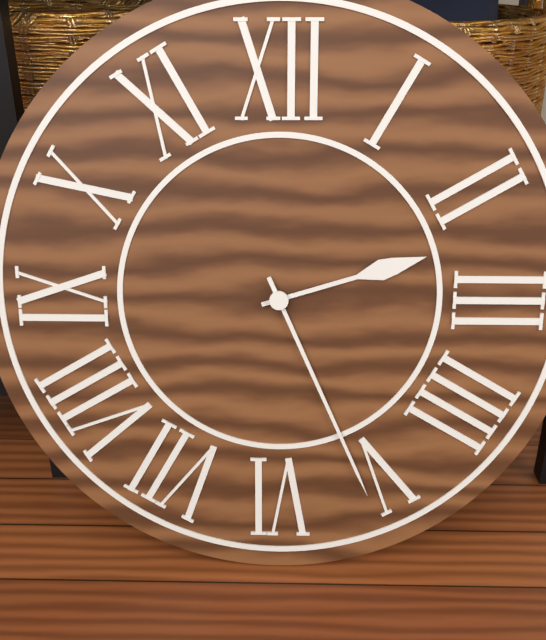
2:26
